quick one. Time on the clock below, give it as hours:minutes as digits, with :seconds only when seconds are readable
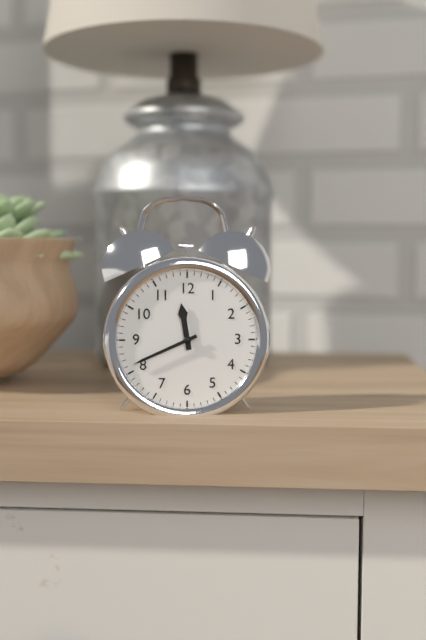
11:41
